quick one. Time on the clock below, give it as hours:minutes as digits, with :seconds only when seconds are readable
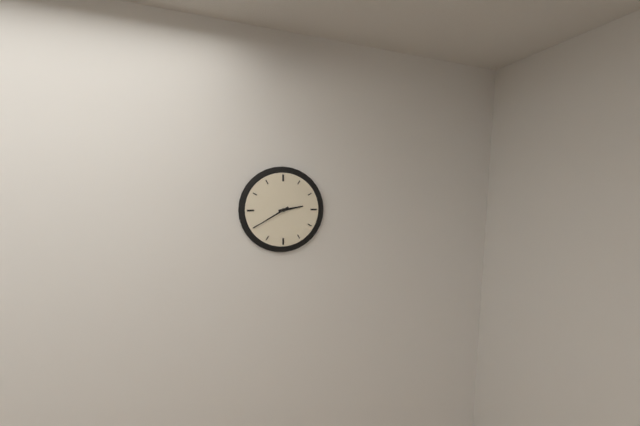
2:40
